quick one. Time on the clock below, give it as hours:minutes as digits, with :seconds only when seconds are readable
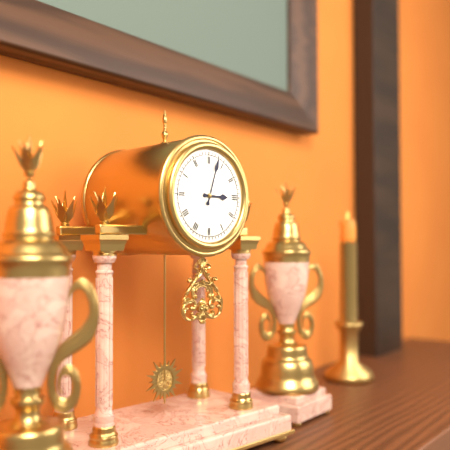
3:03
